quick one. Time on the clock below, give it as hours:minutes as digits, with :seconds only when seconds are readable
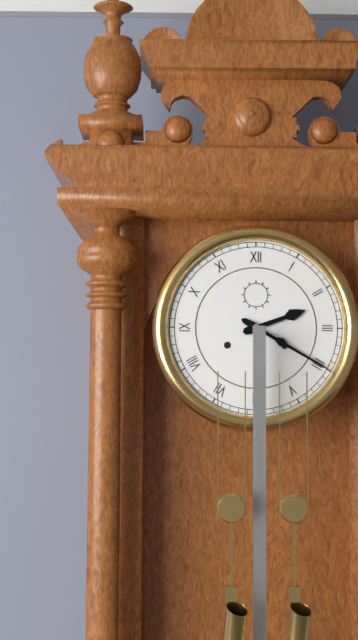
2:20
